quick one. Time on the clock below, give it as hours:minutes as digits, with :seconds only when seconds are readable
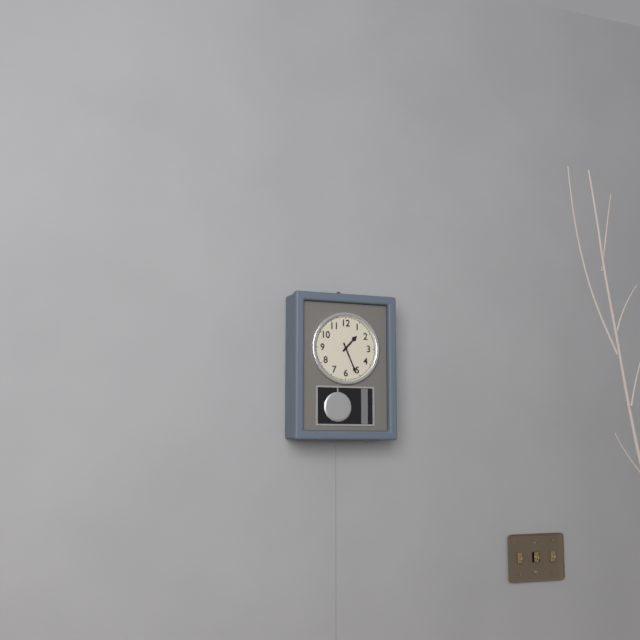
1:26
